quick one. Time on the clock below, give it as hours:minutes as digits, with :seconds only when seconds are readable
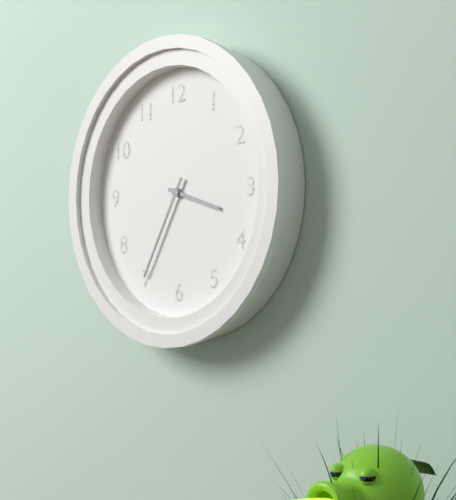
3:35
